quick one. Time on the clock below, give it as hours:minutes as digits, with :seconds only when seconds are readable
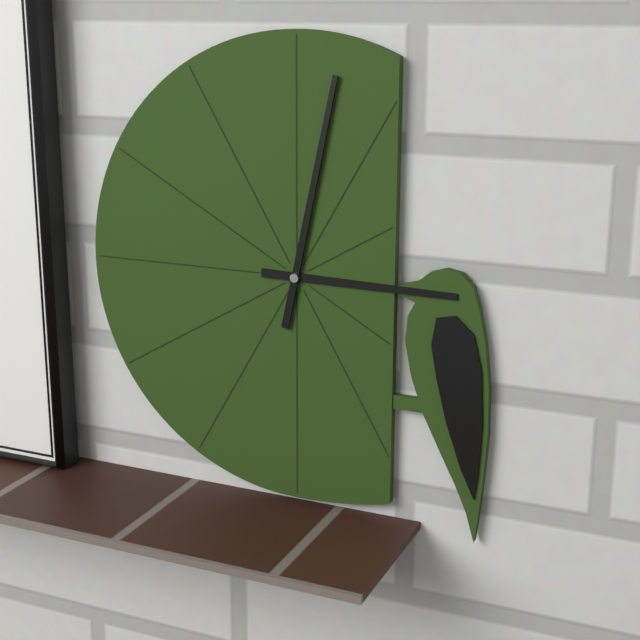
3:02
